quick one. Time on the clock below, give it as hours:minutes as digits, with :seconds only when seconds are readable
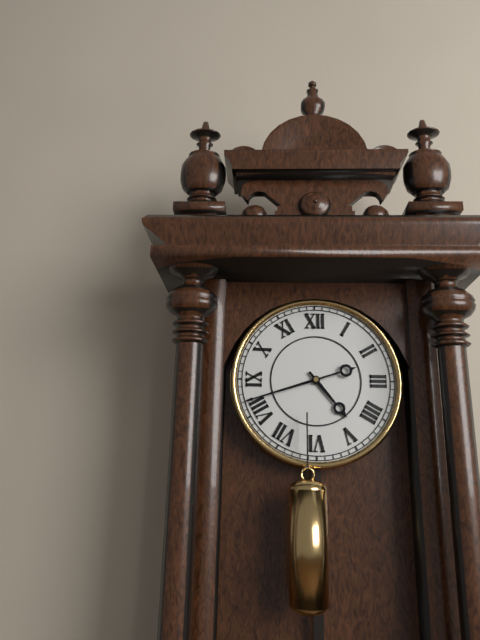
4:42
